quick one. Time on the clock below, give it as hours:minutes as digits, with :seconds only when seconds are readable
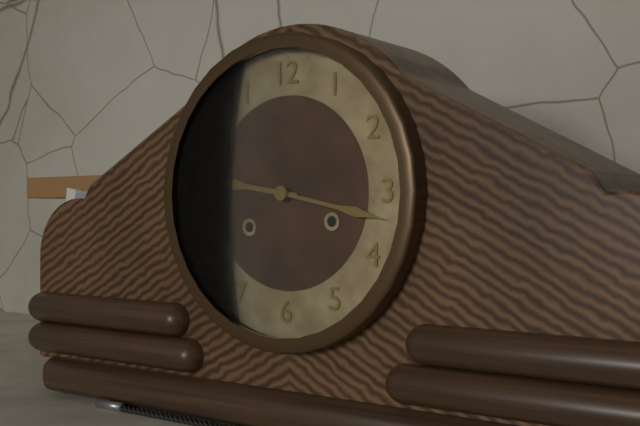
9:17
